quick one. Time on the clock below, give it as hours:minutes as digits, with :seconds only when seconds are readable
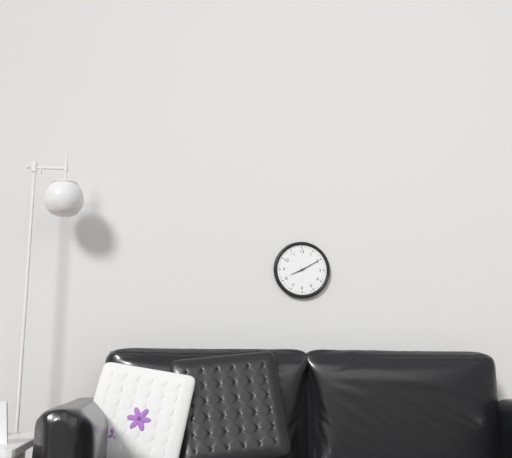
8:10
